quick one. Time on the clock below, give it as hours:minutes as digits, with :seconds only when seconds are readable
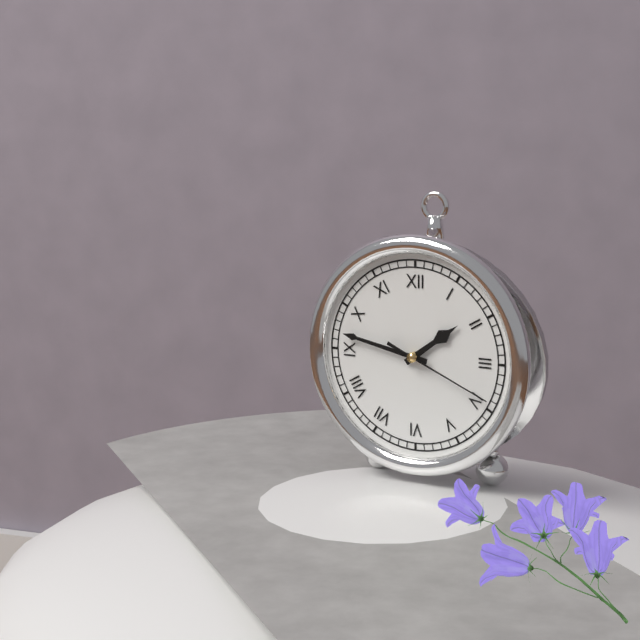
1:47:19
